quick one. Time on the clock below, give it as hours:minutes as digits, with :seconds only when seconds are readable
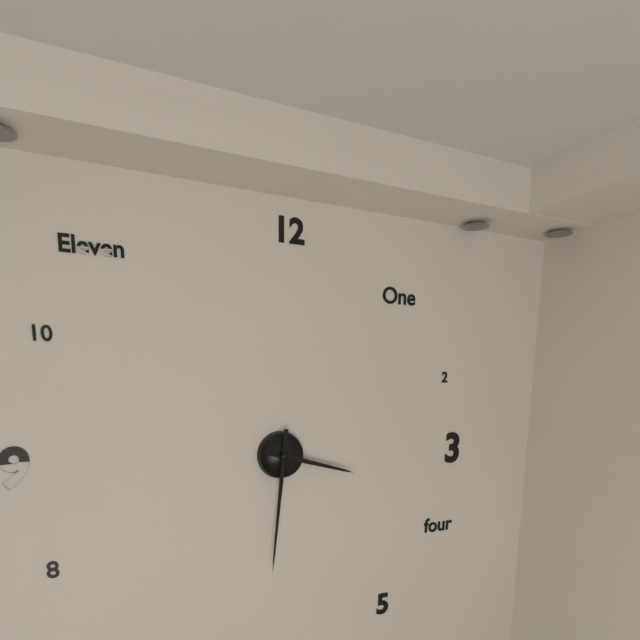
3:31
